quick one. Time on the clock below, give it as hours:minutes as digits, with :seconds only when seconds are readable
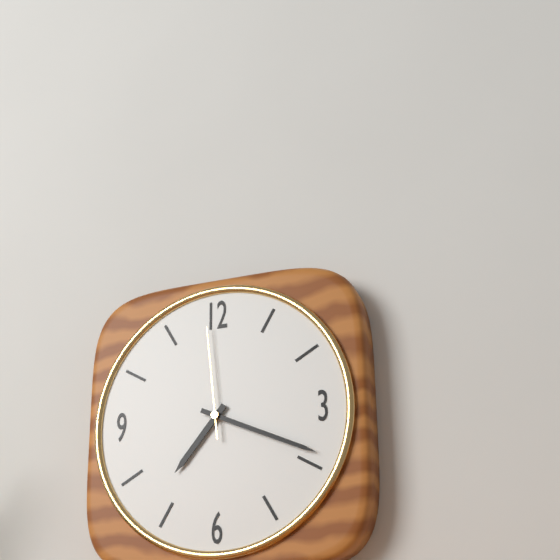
7:19:59
